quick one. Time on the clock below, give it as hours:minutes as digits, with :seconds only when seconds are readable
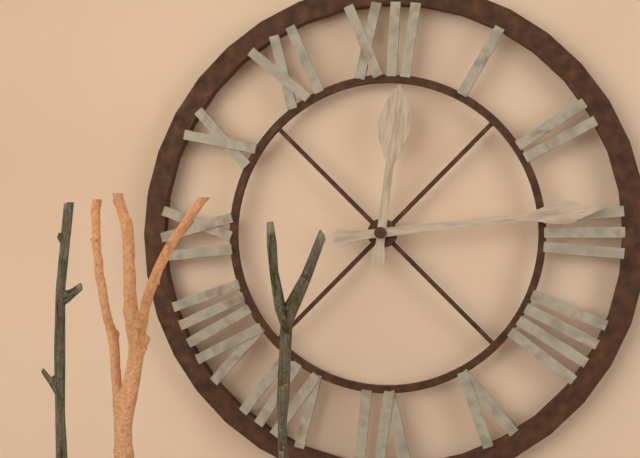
12:14
